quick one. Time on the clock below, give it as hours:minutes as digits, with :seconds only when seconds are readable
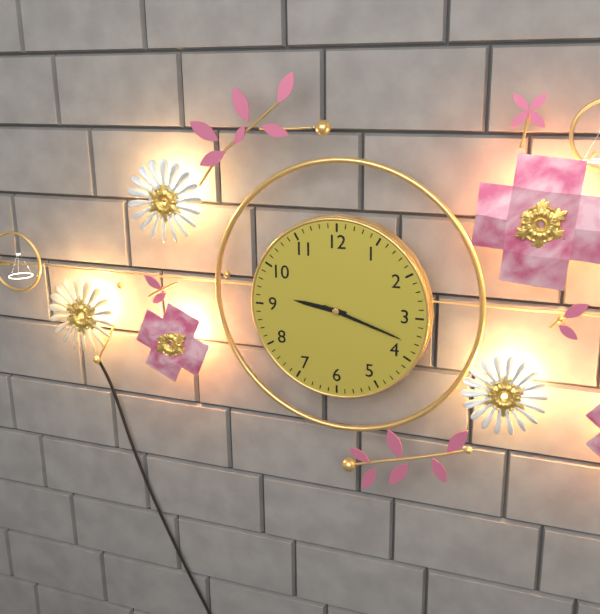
9:18
